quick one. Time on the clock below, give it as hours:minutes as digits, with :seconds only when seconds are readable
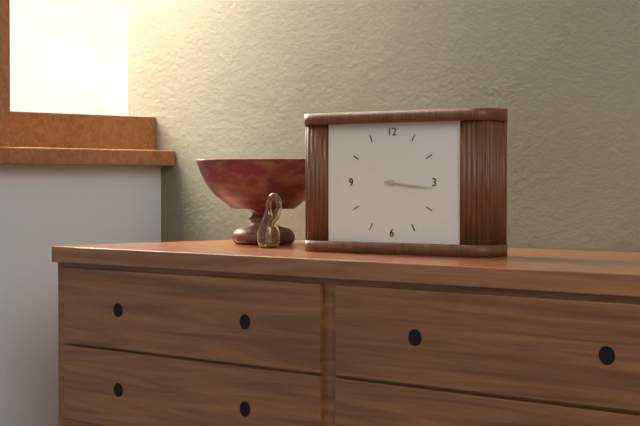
3:16
